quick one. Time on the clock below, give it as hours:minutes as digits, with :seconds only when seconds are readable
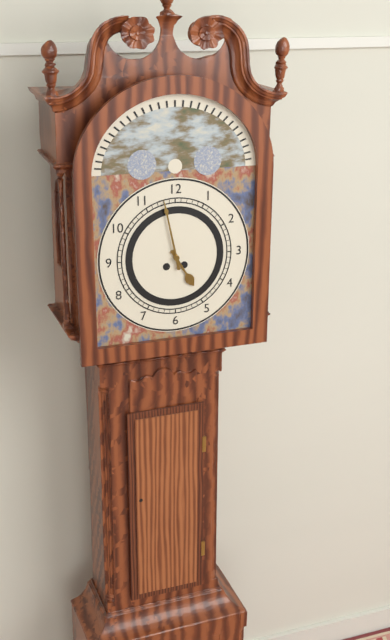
4:58
